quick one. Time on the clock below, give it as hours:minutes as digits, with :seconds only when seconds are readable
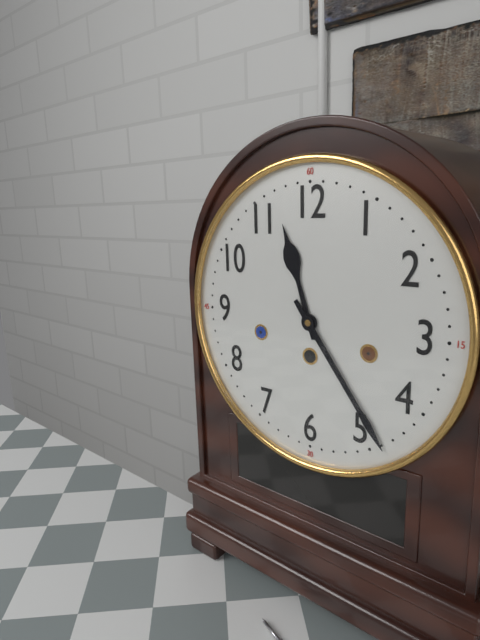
11:24
